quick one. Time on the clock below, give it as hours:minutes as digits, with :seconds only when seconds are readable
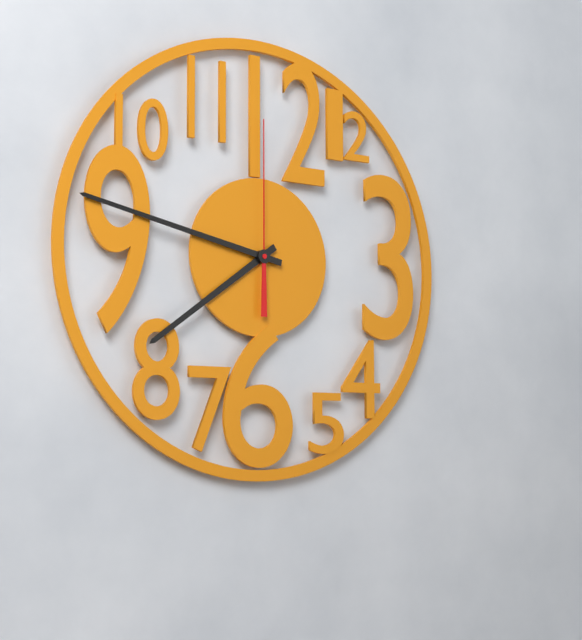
7:47:00
